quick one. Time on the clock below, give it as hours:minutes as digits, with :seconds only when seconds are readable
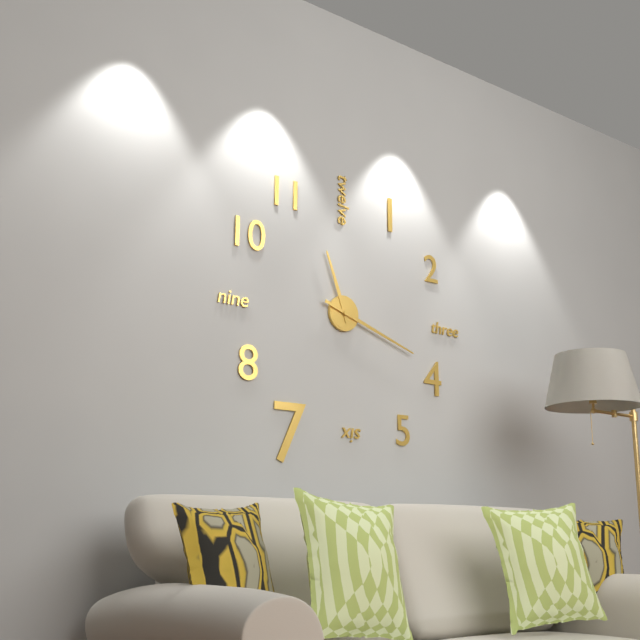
11:18
